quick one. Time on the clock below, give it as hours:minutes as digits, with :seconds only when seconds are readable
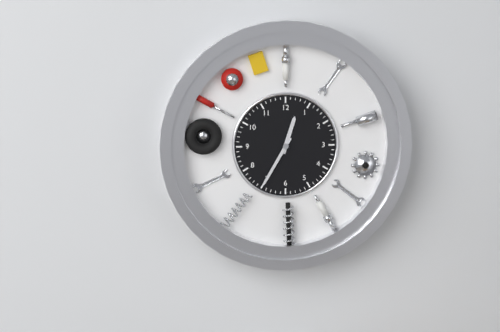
12:35
